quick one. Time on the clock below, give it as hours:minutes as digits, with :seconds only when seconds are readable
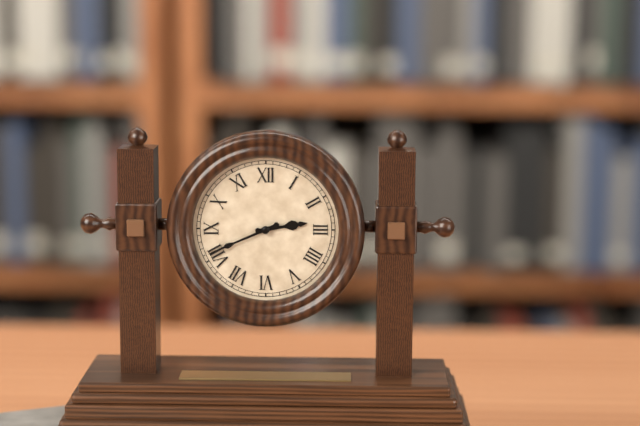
2:41
